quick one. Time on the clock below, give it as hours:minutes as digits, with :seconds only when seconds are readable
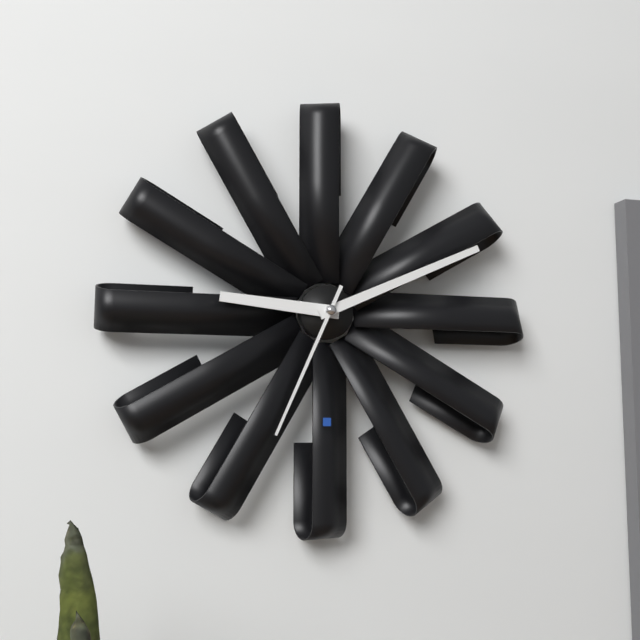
9:11:34
